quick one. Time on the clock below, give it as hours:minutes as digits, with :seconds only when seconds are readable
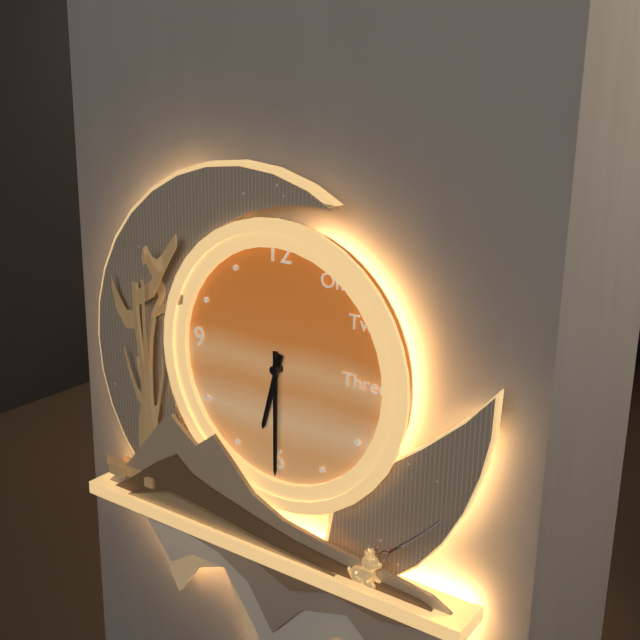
6:30
